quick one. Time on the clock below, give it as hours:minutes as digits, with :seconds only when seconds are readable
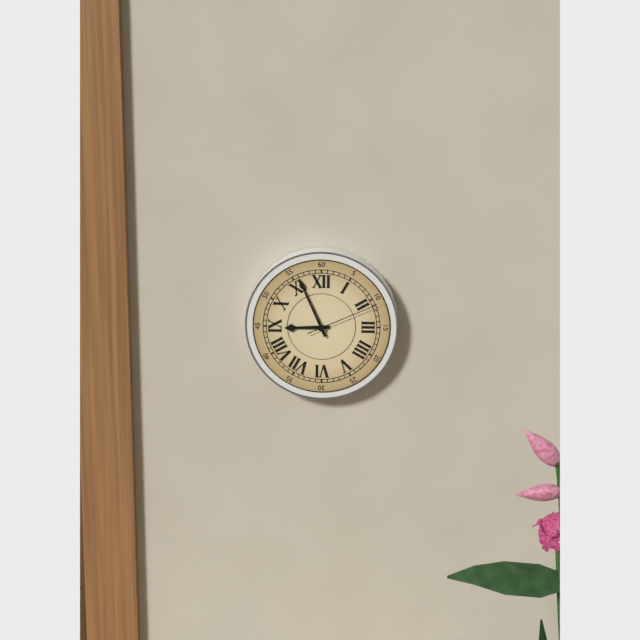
8:56:11
